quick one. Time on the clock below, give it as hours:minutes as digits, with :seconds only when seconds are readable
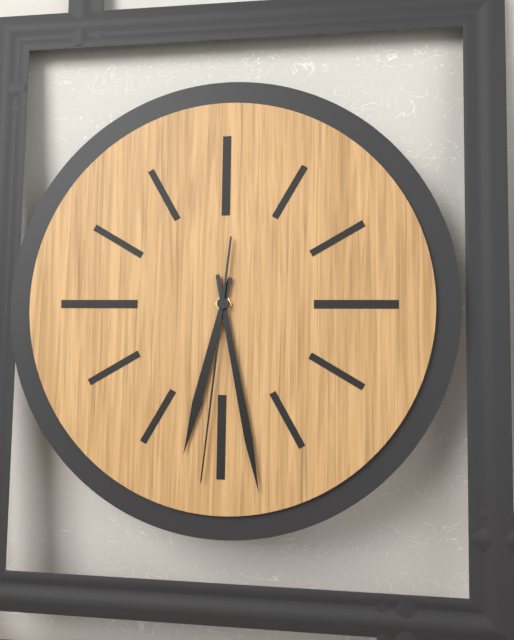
6:28:31
